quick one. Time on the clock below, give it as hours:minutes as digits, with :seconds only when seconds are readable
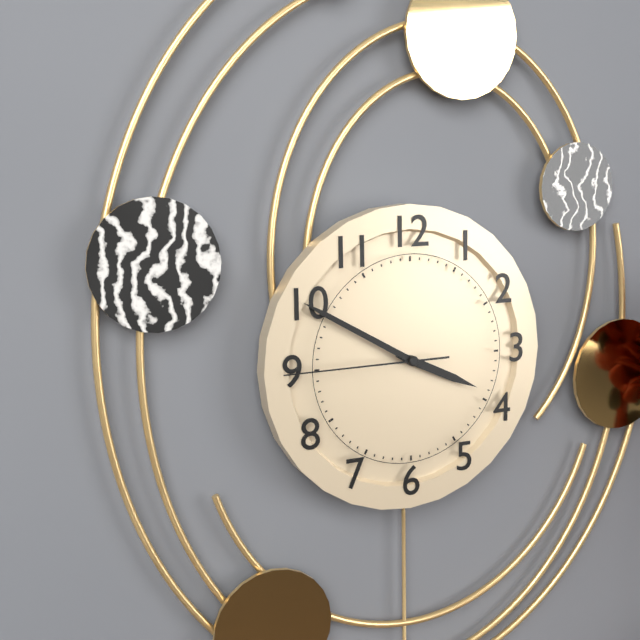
3:50:45
